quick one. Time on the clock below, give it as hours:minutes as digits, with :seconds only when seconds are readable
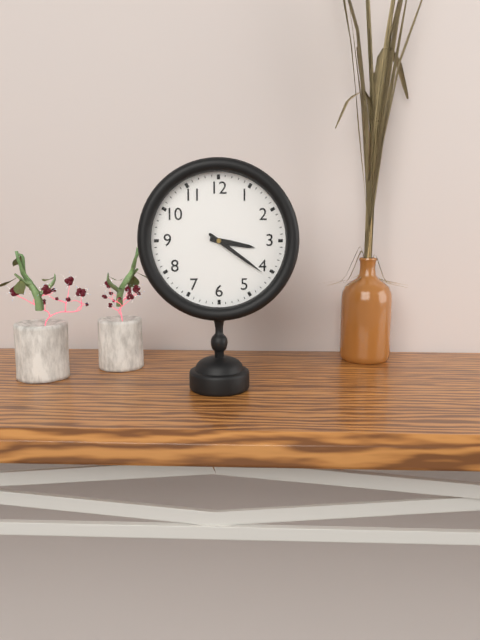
3:21
